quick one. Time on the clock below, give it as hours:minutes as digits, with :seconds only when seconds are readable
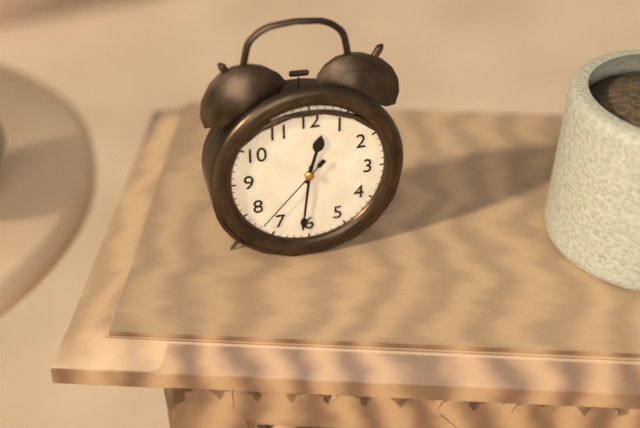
12:31:37
